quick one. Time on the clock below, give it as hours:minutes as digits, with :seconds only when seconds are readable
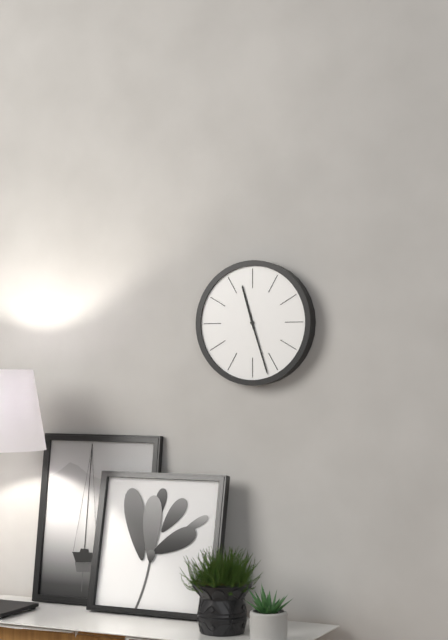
11:27
